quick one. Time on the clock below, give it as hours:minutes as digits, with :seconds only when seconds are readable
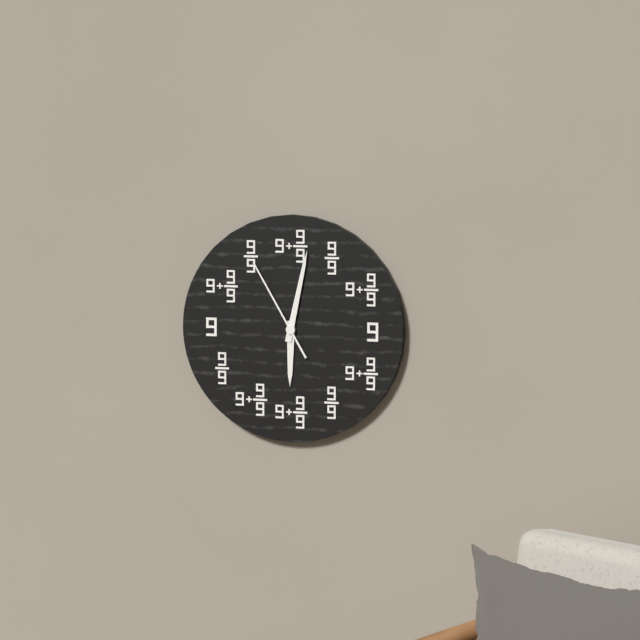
6:02:55
